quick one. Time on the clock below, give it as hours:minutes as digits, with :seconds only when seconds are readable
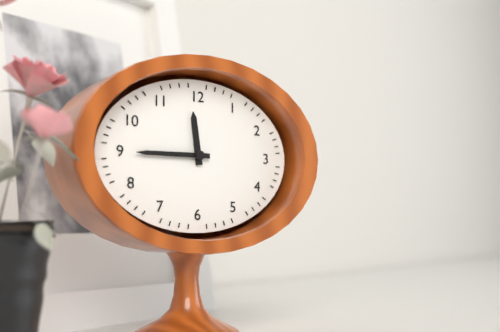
11:45
